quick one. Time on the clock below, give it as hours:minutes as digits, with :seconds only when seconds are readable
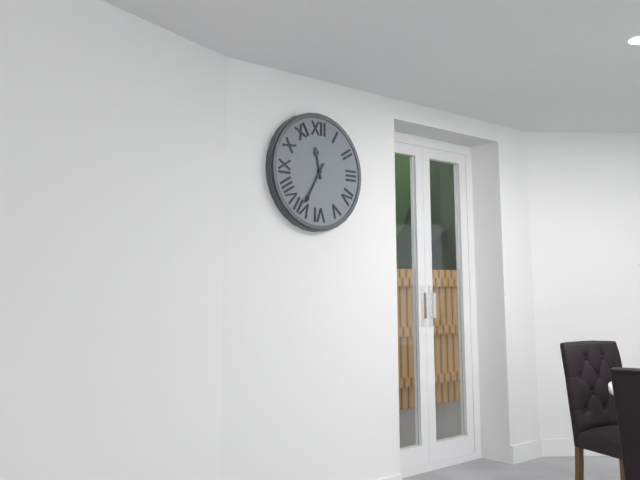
11:35
